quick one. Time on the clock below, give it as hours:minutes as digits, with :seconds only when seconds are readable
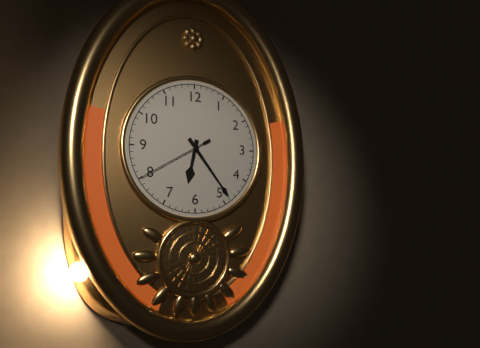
6:24:40
